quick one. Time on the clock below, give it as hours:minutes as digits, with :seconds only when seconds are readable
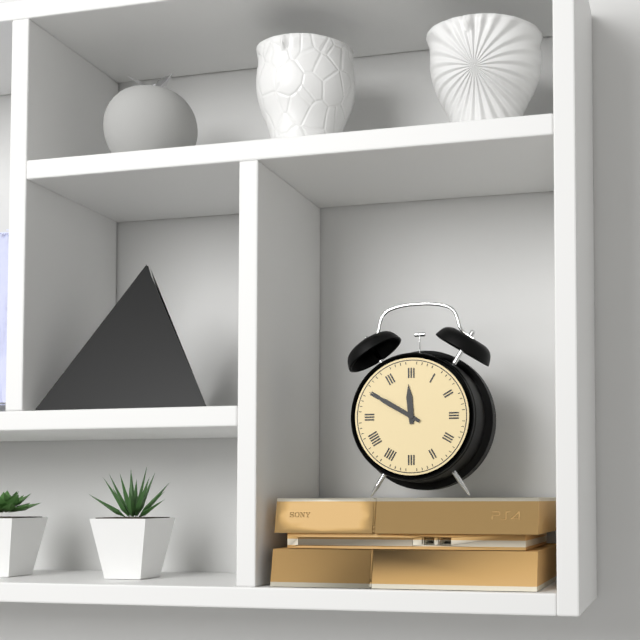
11:50
